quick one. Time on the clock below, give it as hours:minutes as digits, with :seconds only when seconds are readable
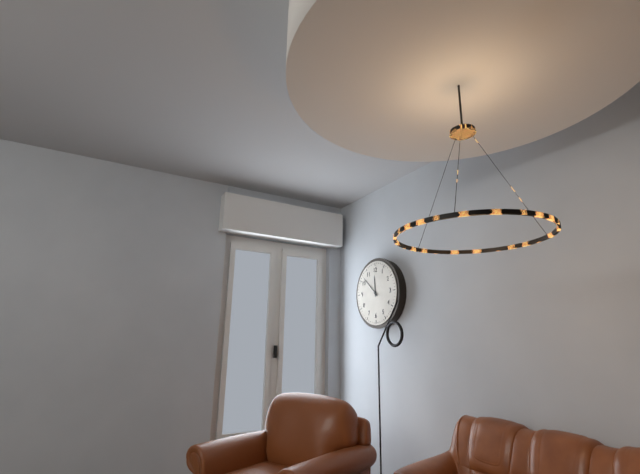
11:52
